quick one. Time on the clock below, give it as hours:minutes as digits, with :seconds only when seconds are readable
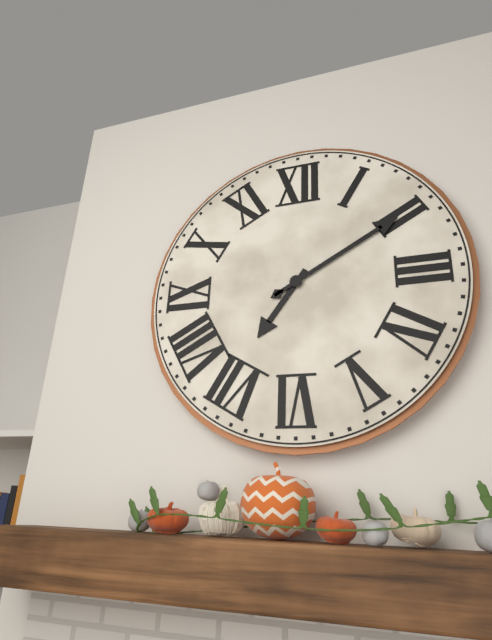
7:10
